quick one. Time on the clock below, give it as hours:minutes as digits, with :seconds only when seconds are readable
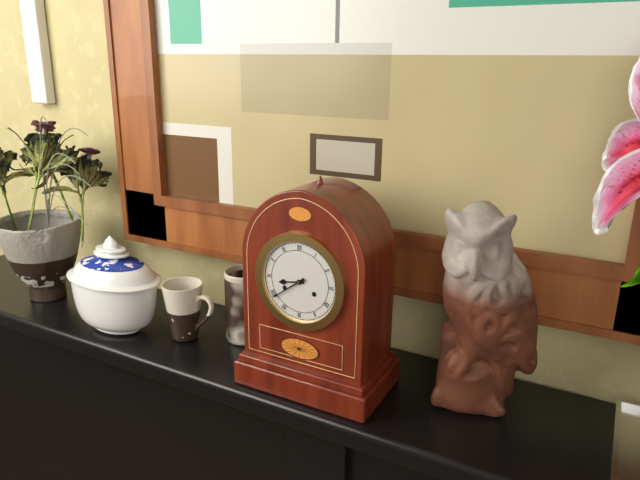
8:39
